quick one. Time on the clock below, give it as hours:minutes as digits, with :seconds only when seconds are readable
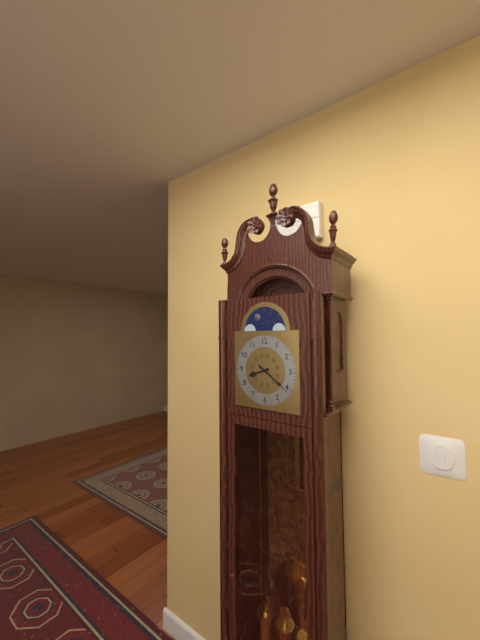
8:21
